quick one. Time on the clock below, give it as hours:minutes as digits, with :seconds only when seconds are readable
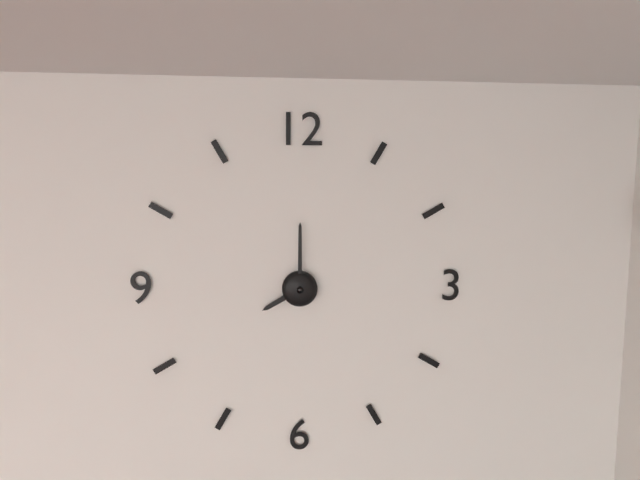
8:00
